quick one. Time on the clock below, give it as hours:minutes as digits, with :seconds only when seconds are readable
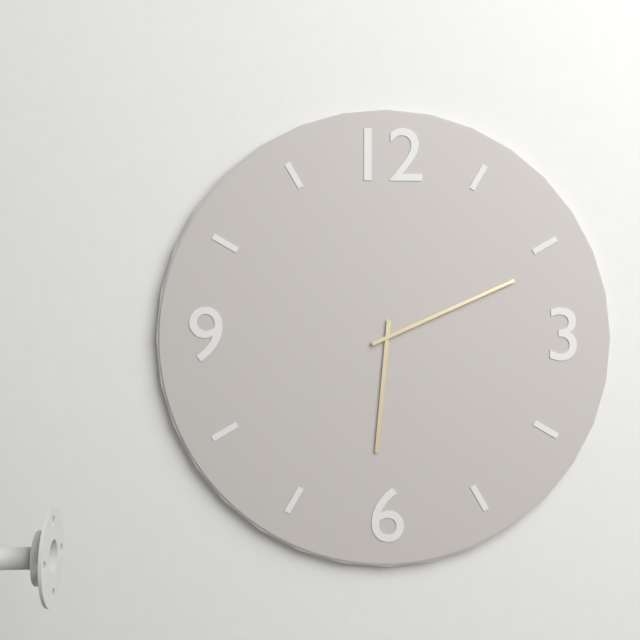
6:11
